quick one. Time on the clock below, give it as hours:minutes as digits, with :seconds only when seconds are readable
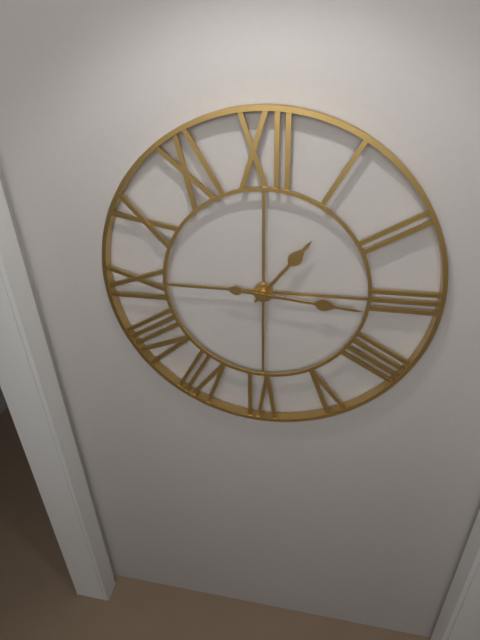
1:16
